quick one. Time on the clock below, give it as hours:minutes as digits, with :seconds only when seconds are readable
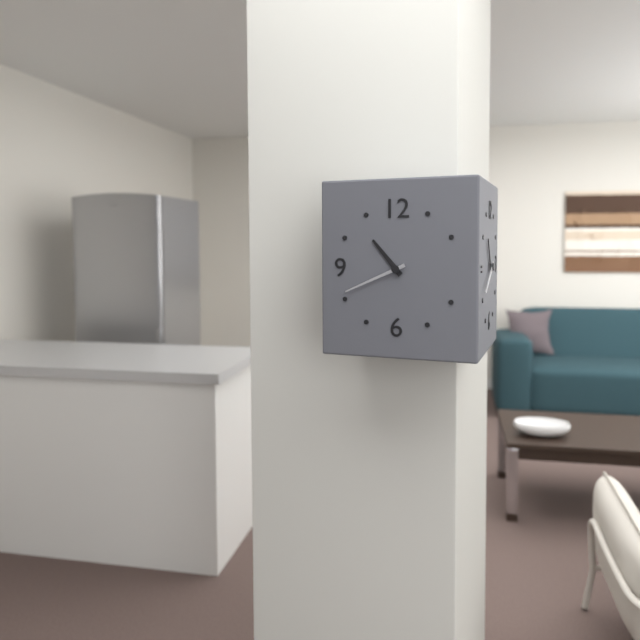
10:41
